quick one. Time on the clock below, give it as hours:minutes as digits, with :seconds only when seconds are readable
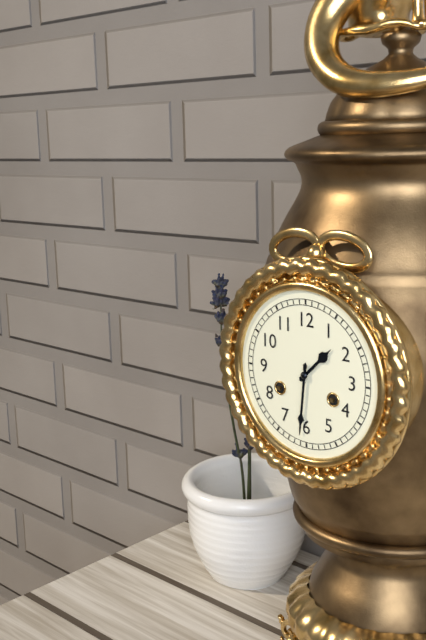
1:31
